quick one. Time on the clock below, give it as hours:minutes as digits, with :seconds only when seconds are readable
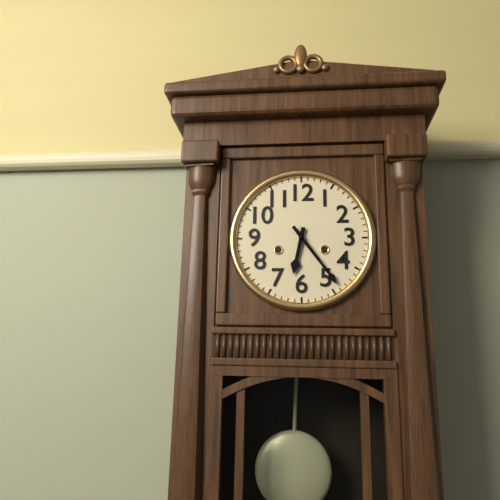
6:24
